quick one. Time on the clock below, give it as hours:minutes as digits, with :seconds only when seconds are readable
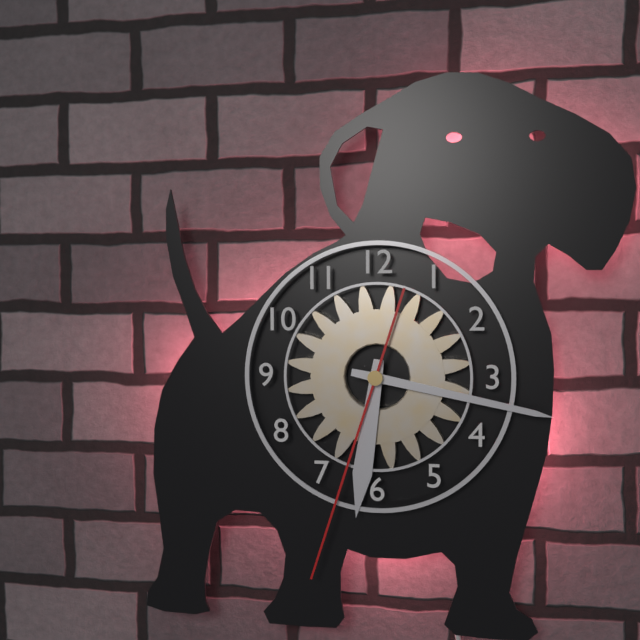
6:17:33
